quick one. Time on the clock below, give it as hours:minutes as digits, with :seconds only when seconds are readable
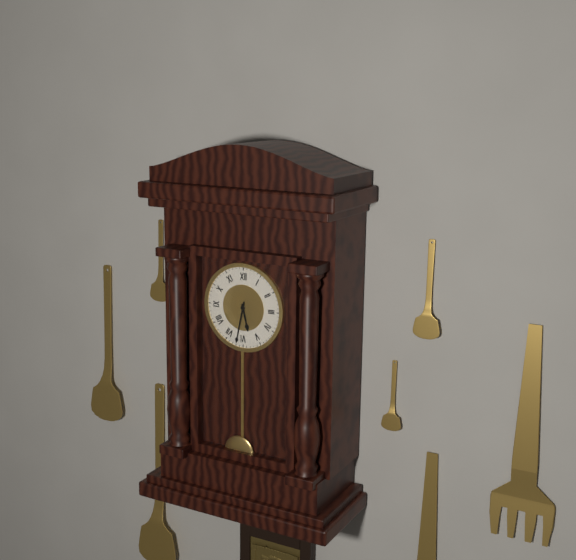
5:32
